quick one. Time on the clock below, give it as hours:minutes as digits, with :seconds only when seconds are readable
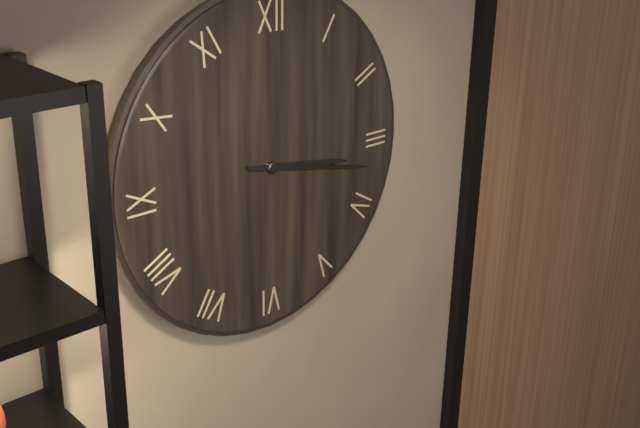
3:17
